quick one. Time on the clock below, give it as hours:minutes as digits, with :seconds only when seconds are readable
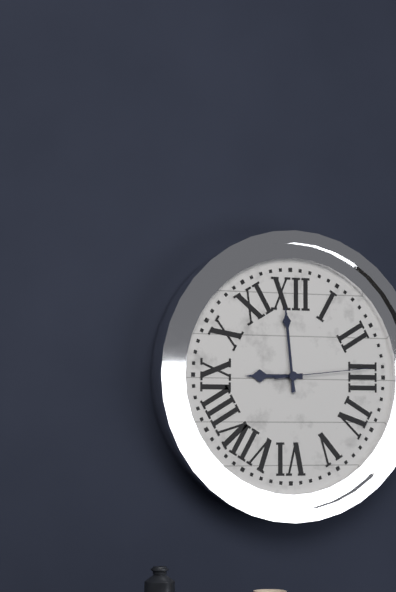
8:59:14
